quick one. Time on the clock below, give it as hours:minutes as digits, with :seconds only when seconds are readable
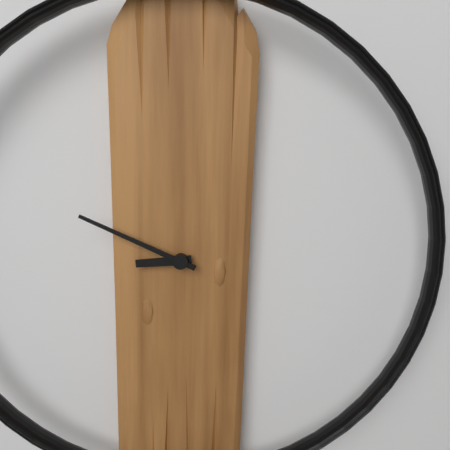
8:49
